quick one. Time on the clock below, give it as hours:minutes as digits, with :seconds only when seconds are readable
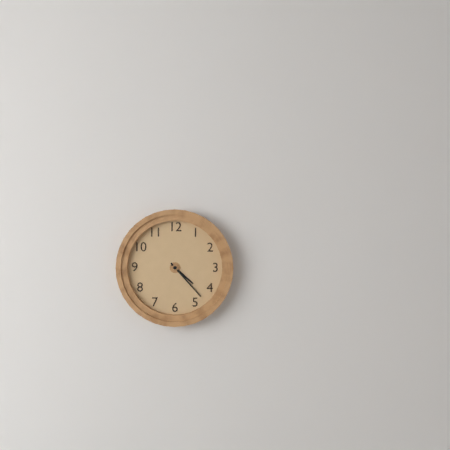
4:23
